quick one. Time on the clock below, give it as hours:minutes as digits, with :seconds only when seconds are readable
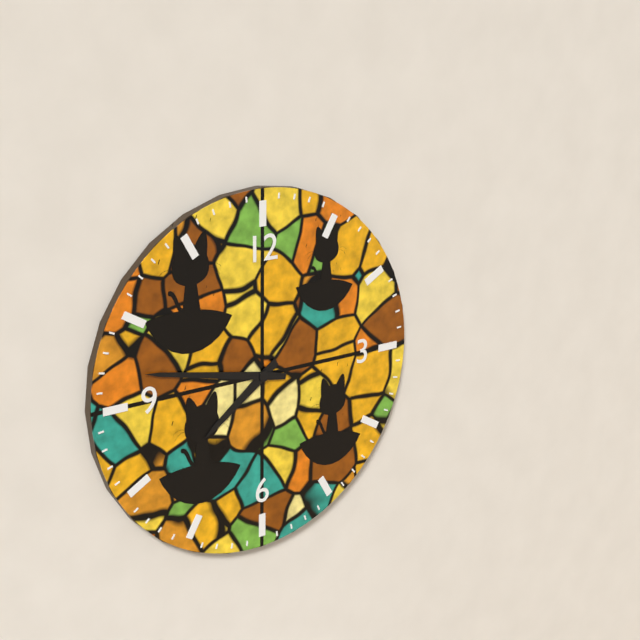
7:47
